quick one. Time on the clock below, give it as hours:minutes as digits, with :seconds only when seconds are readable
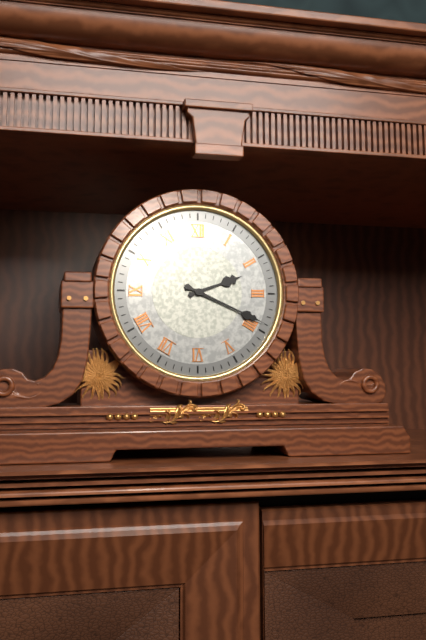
2:19
